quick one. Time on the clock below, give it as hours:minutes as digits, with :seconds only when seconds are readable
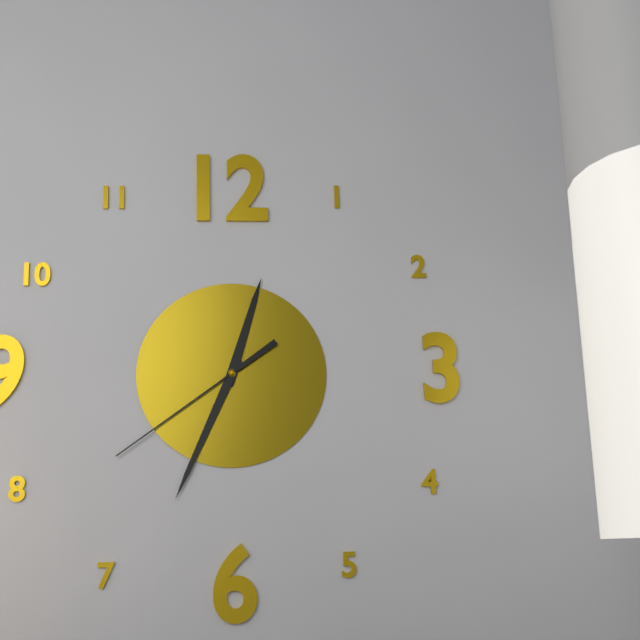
12:34:39
